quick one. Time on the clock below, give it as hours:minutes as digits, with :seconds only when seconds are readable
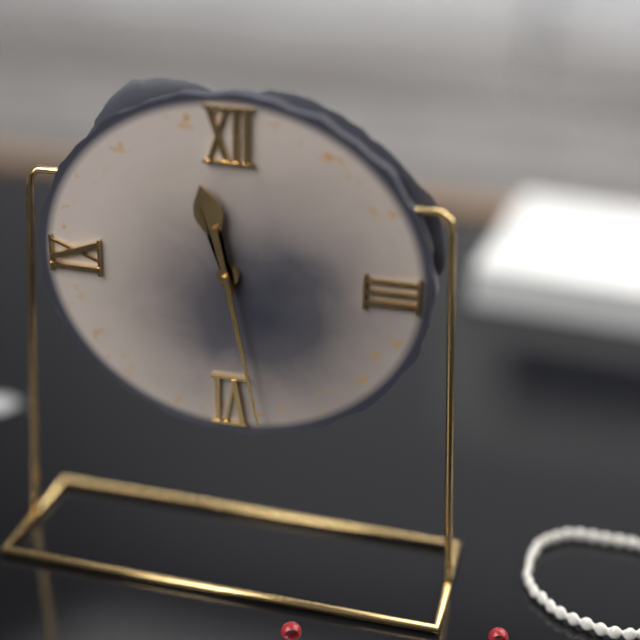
11:28
